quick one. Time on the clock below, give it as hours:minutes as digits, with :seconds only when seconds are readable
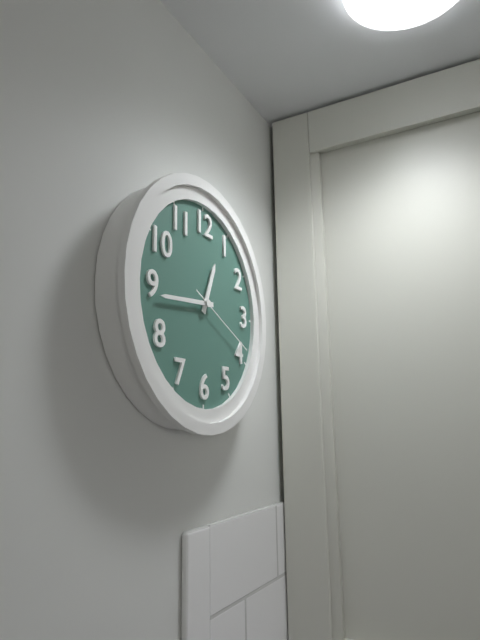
12:44:19
